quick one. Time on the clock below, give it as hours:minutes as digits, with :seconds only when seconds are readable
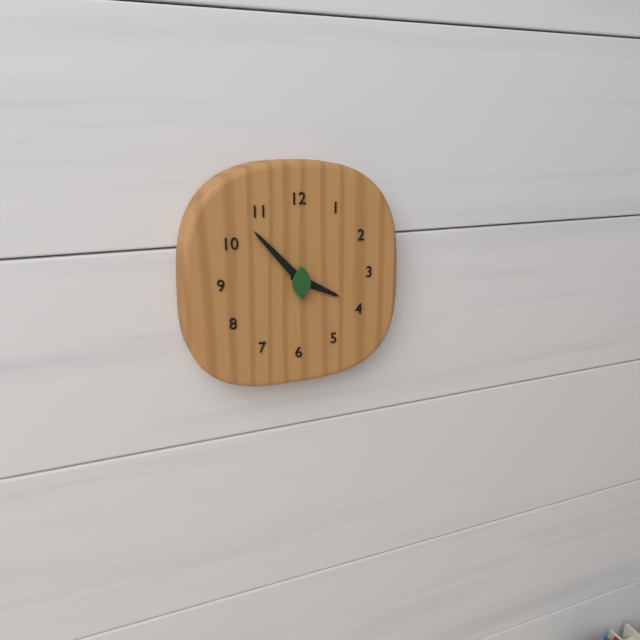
3:53
